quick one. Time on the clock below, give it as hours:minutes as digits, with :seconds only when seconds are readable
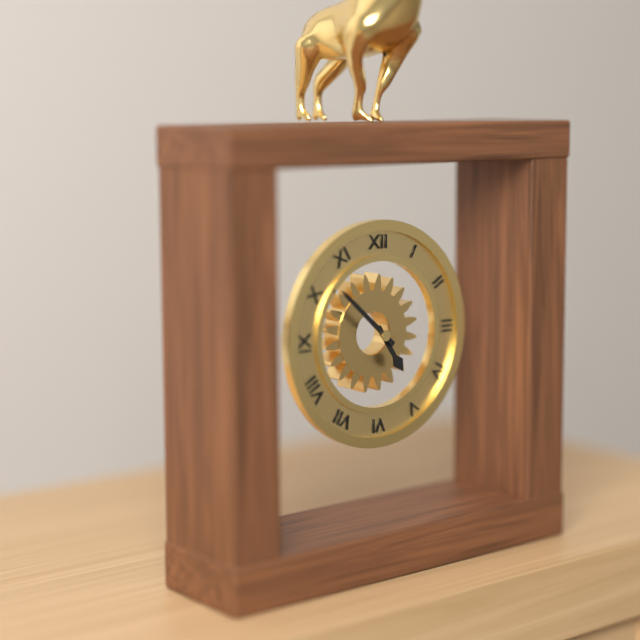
4:52
